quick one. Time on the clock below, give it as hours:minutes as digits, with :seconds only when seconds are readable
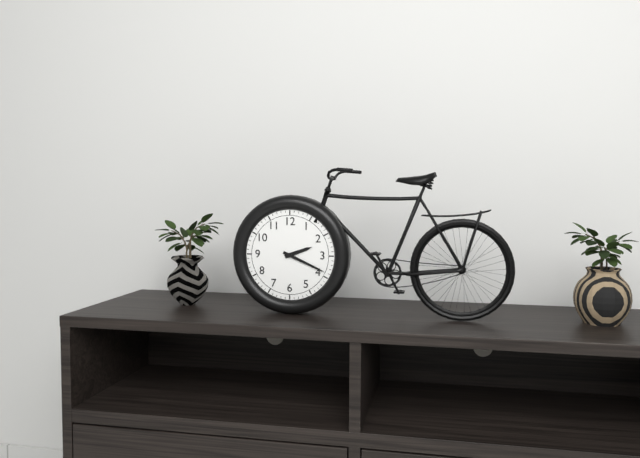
2:19
